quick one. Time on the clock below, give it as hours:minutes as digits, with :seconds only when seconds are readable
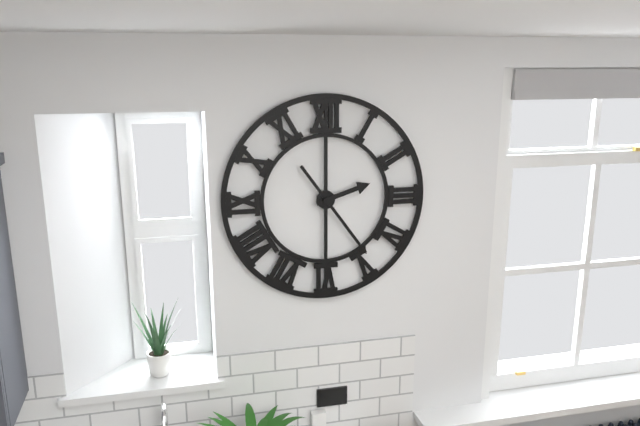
2:24
